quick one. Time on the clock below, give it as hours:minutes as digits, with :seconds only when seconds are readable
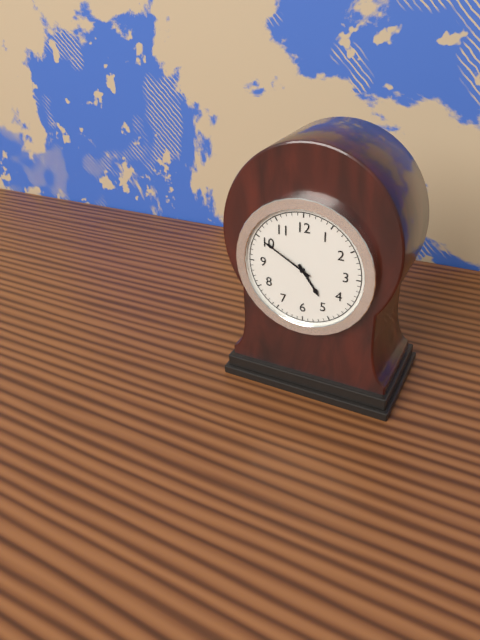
4:50
